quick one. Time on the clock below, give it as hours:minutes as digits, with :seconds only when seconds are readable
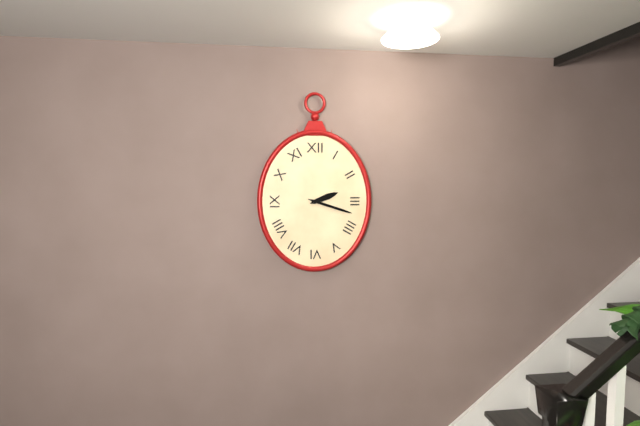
2:18
